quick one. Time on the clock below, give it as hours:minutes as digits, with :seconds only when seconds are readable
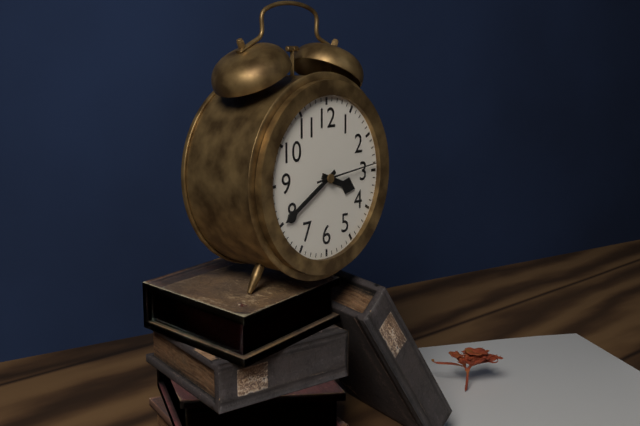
3:40:14
